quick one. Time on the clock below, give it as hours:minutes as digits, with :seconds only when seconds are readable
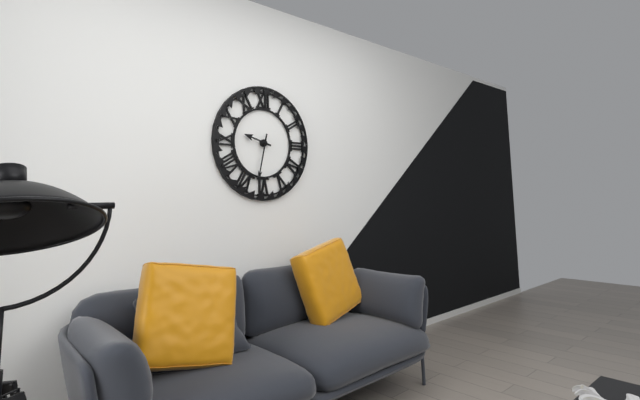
9:32
